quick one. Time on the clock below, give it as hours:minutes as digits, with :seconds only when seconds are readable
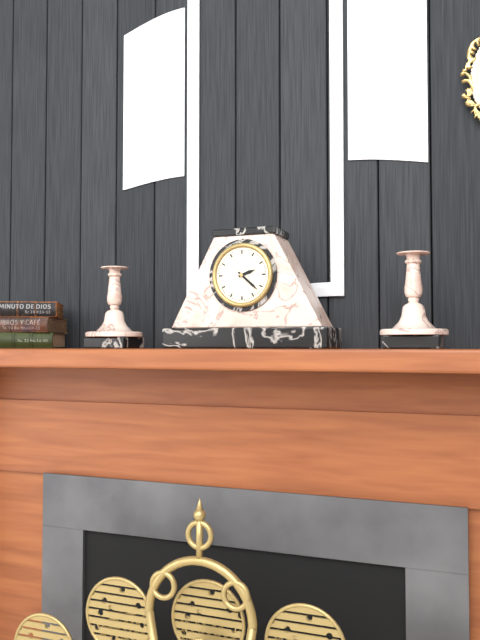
2:22
